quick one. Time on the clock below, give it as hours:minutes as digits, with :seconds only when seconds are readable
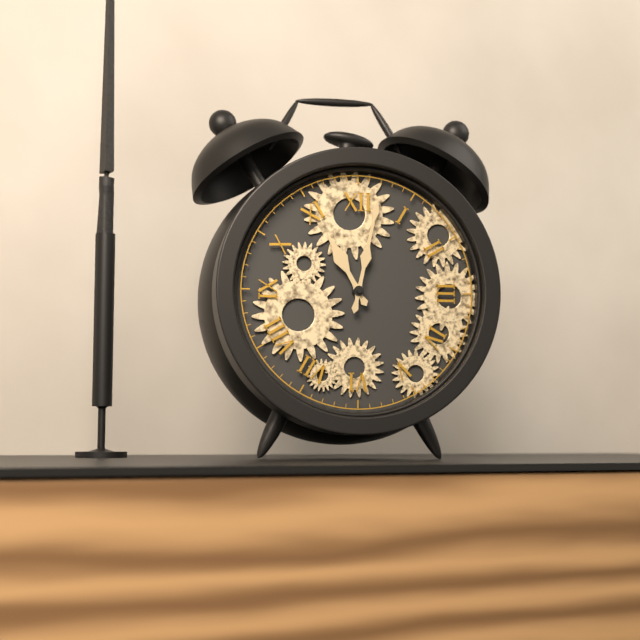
11:02
